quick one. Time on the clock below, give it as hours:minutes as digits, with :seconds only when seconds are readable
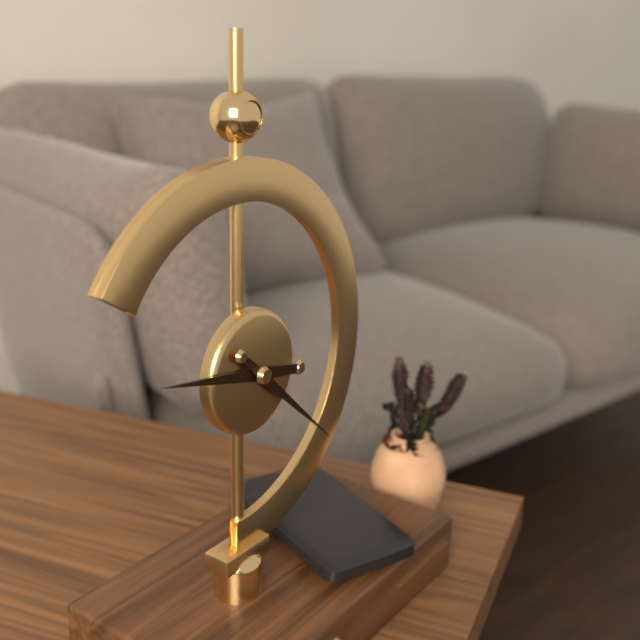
9:22
